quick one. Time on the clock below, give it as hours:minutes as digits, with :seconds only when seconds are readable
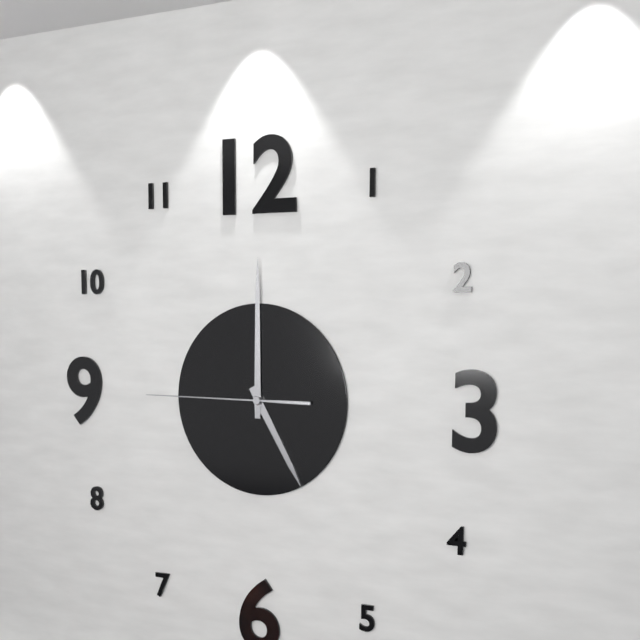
5:00:45
